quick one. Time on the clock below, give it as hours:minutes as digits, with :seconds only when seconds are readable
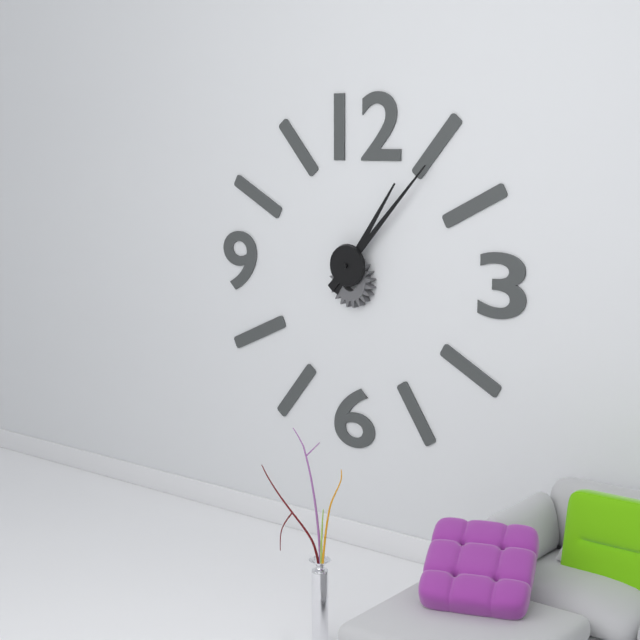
1:07
